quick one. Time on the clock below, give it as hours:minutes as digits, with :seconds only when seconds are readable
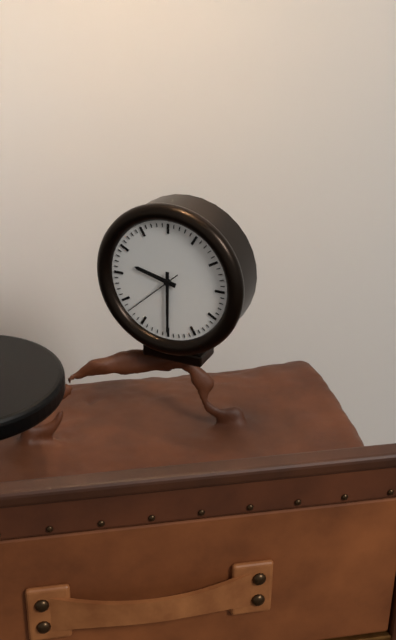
9:30:38
